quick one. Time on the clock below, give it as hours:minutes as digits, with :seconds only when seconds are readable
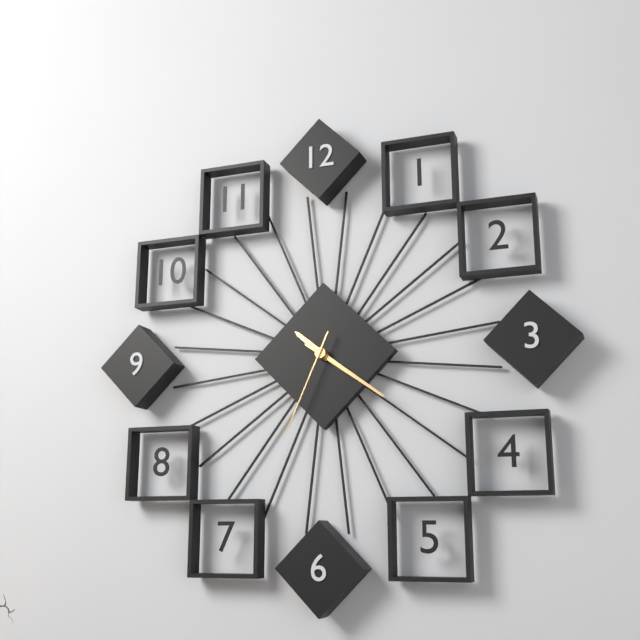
10:21:34
